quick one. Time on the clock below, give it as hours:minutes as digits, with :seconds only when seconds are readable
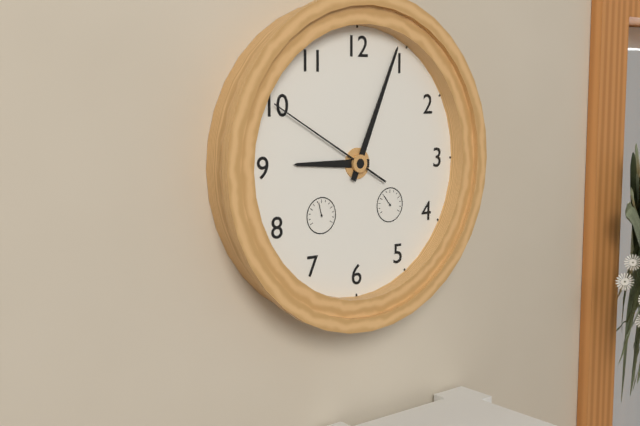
9:04:50
